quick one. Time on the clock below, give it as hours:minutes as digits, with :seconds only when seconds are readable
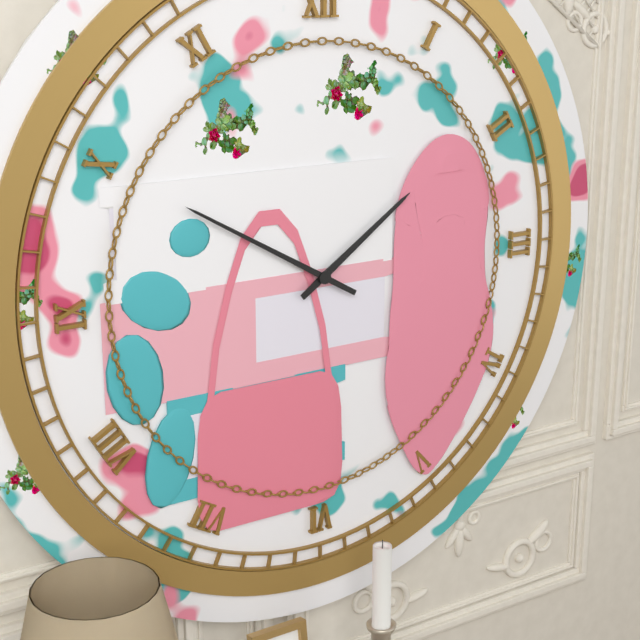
1:50
